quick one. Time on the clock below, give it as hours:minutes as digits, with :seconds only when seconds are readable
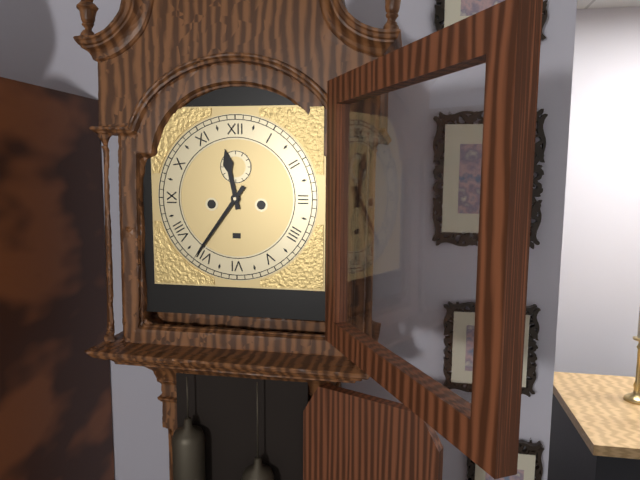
11:36
